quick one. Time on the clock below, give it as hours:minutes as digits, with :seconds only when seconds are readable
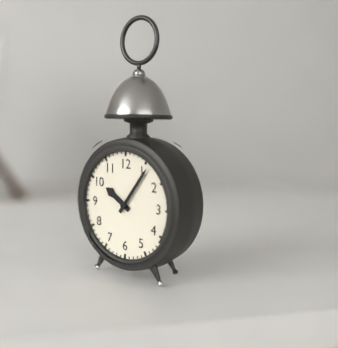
10:06
